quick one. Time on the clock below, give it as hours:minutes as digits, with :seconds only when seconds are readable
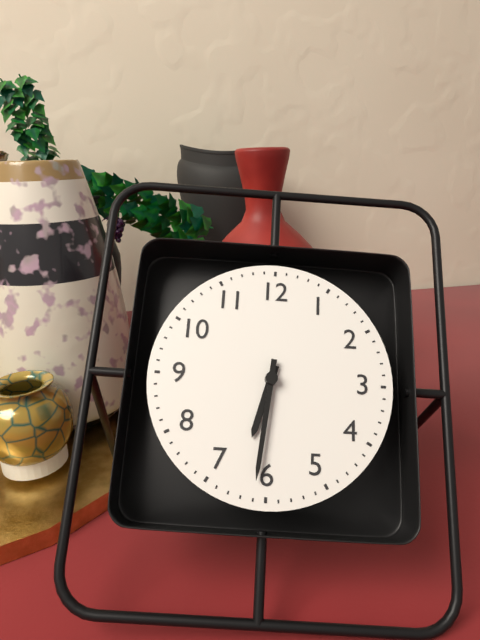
6:31
